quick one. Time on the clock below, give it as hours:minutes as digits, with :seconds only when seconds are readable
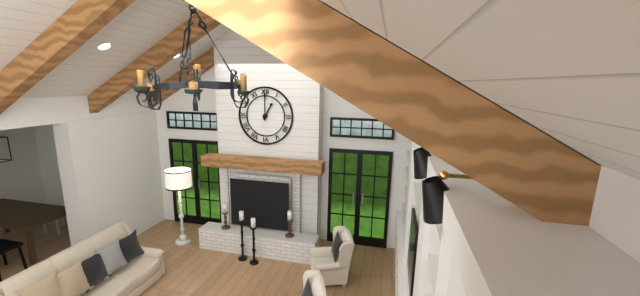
1:00
